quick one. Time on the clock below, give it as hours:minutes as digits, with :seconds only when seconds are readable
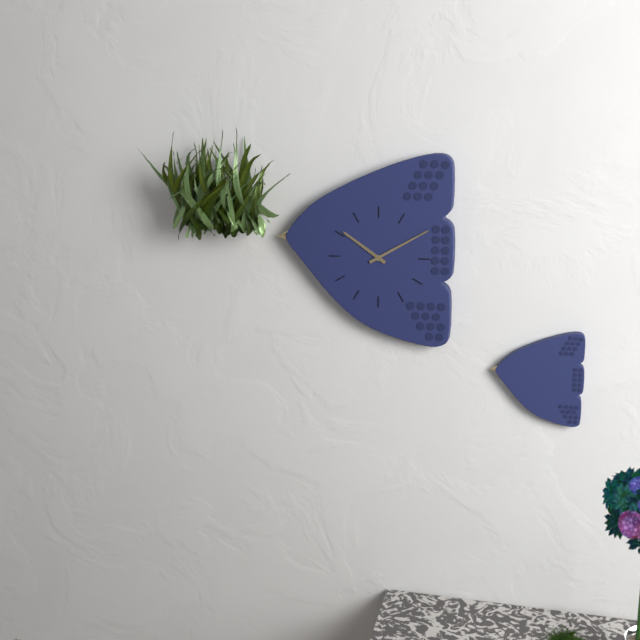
10:10
